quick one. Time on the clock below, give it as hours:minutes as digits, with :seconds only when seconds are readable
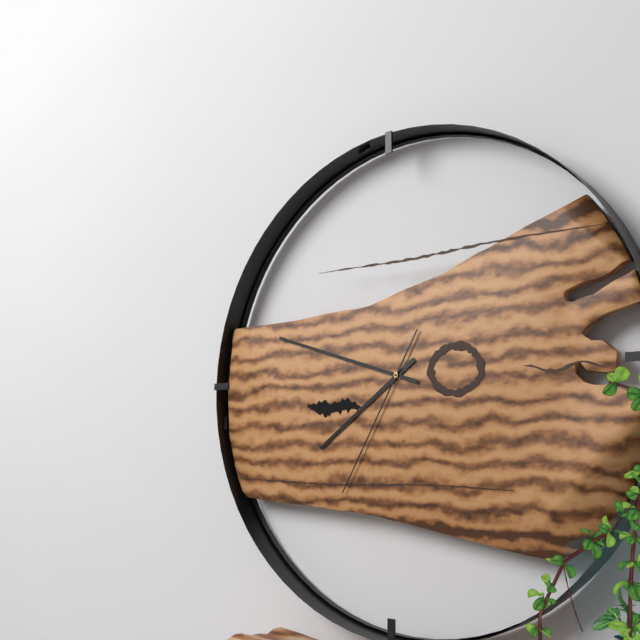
7:48:35
